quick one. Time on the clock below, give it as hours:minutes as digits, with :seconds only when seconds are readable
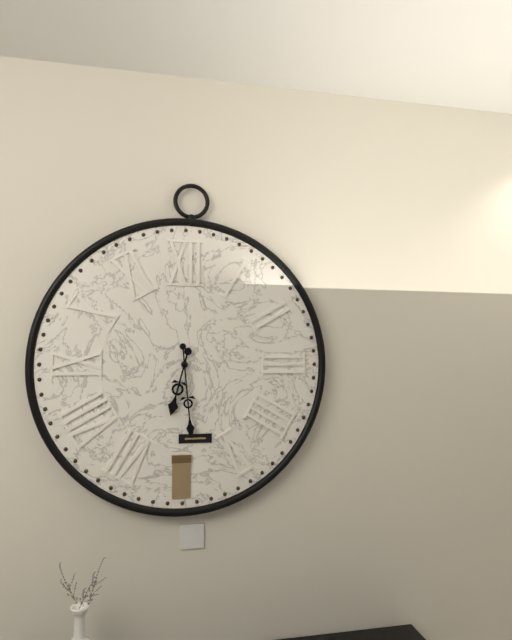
6:29
